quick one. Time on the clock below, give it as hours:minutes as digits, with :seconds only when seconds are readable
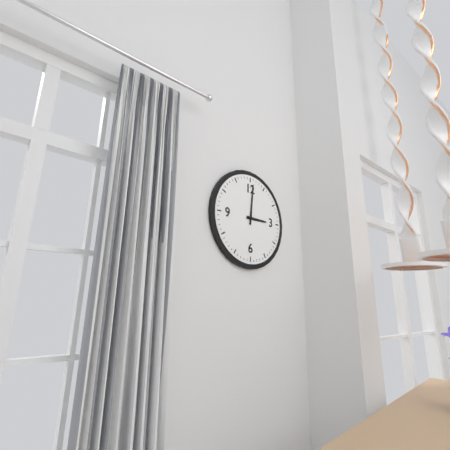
3:01
